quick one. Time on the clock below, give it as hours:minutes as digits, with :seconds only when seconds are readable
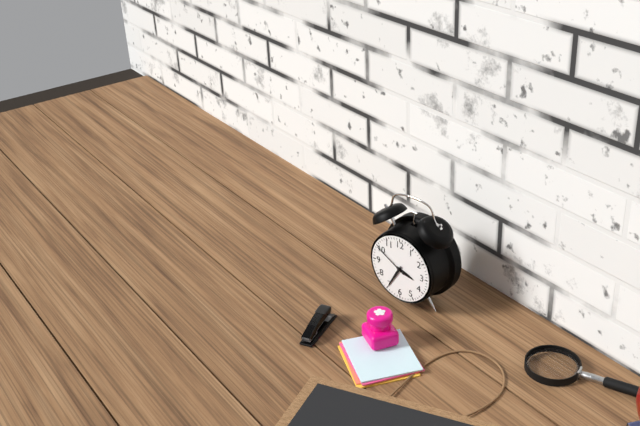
3:35
